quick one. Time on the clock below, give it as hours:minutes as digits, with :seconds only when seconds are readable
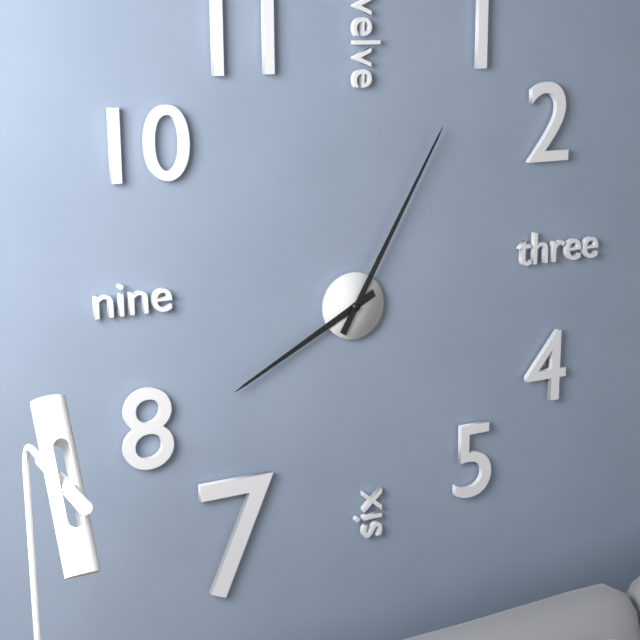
8:05
